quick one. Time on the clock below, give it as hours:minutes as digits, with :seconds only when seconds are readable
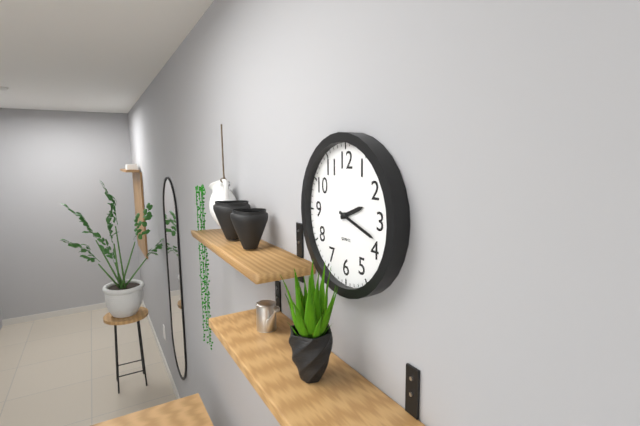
2:18
